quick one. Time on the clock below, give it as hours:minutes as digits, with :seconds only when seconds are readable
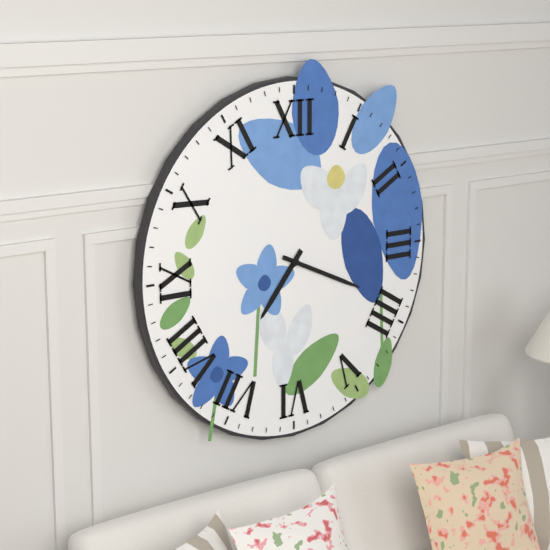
7:19
